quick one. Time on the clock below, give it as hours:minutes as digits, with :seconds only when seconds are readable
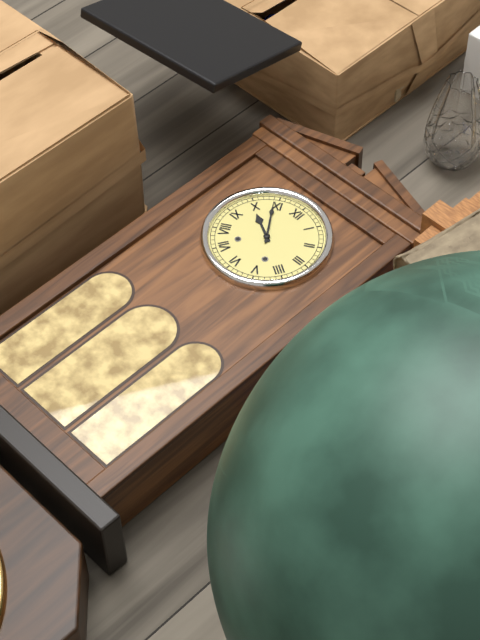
9:54
